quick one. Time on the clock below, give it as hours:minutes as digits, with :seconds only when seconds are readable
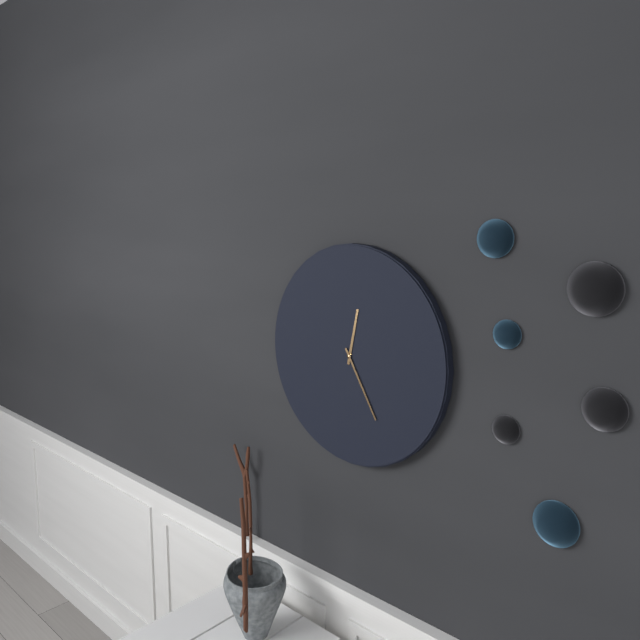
12:25
